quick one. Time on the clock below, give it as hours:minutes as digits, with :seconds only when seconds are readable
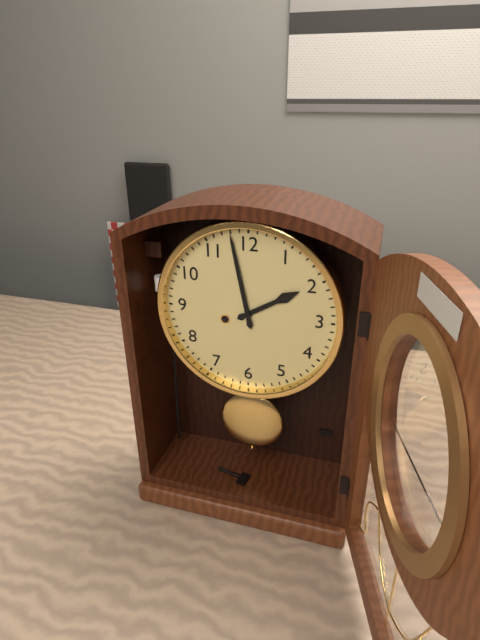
1:58
